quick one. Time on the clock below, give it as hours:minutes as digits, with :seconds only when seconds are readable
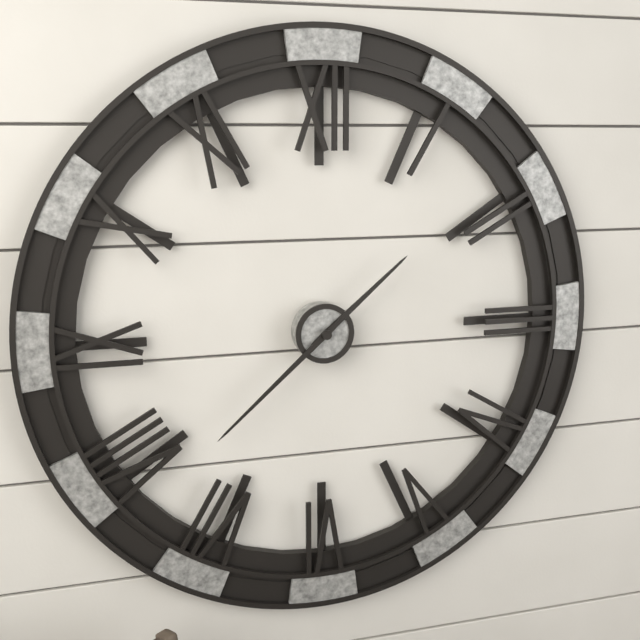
1:38
